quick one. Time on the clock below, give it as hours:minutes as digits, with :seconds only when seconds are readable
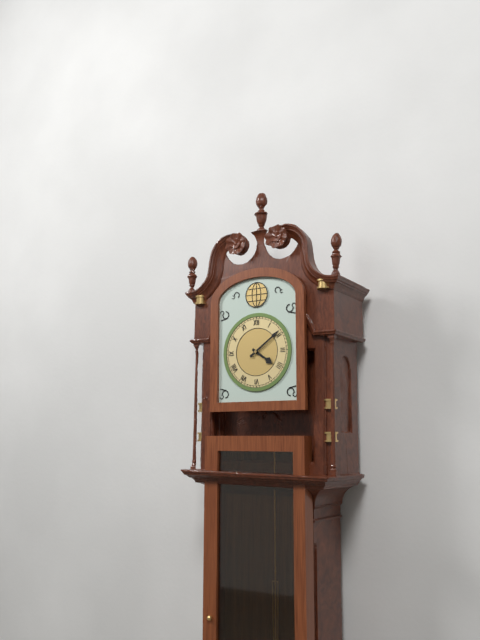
4:09
